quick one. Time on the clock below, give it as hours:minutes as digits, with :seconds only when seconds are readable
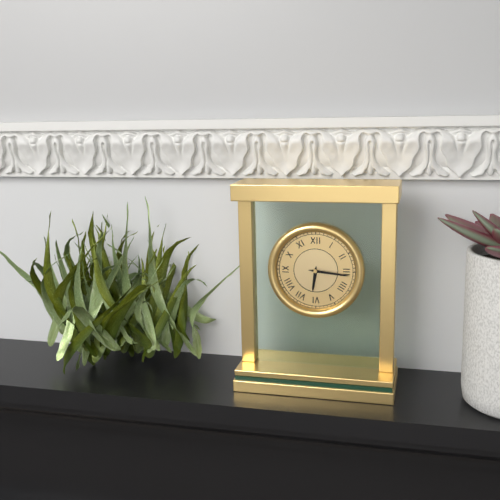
6:16
